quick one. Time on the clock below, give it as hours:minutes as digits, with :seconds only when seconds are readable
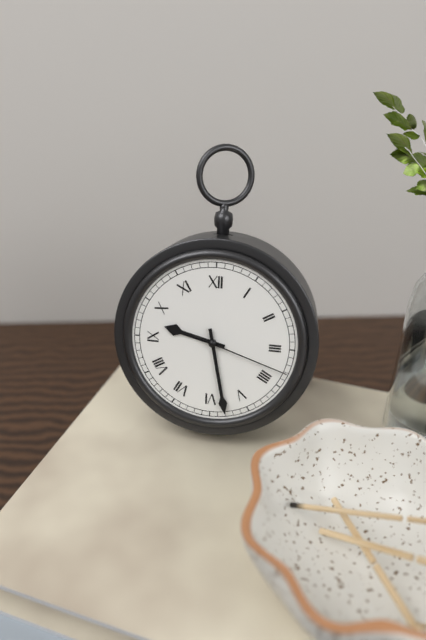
9:28:18
